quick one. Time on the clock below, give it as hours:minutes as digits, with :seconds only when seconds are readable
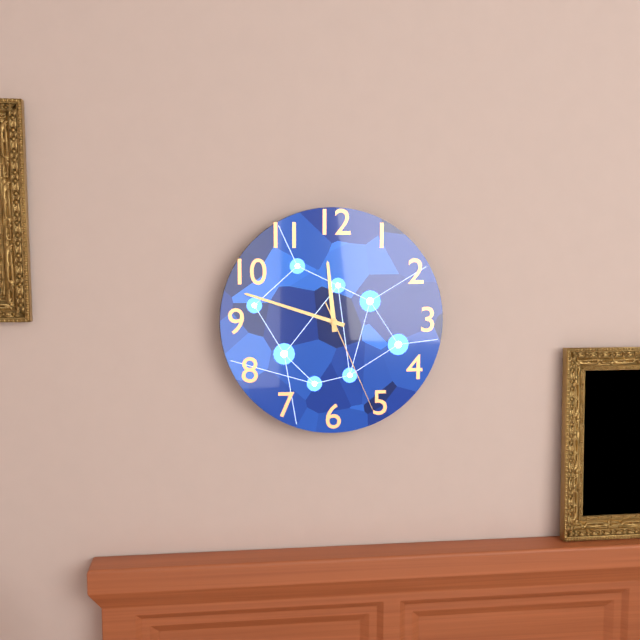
11:48:26
